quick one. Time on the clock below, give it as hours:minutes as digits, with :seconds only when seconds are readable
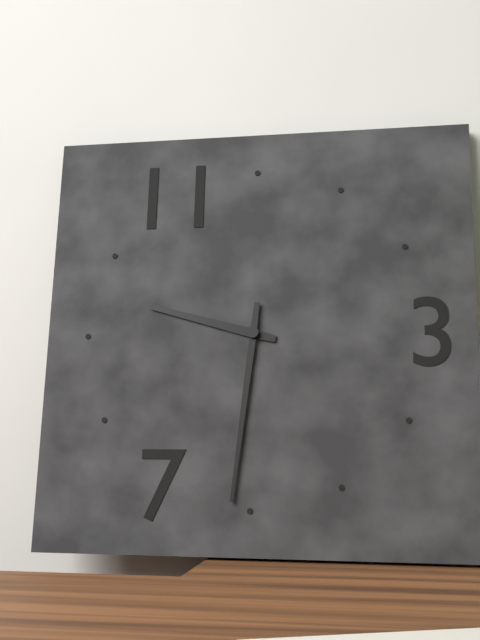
9:31
